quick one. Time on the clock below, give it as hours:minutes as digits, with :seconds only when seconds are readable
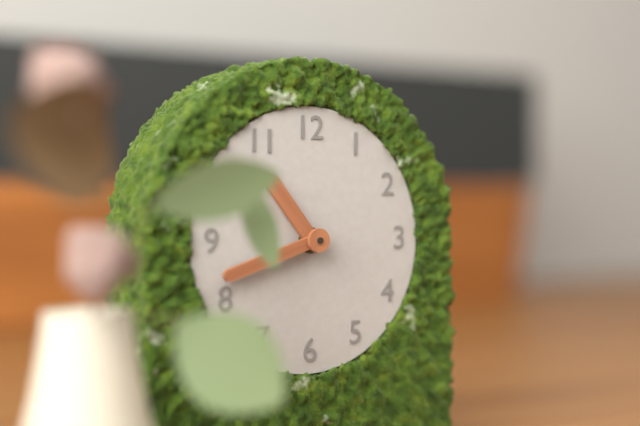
10:42
